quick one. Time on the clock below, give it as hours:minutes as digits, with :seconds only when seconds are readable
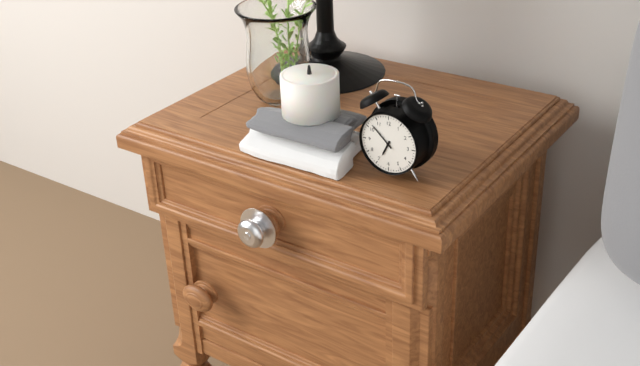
6:52
